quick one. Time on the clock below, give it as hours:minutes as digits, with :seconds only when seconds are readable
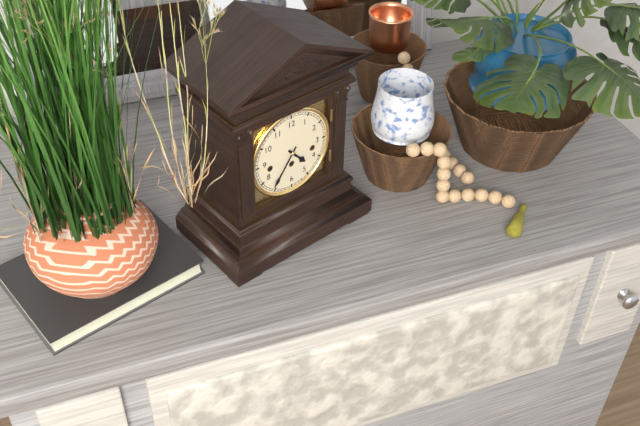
4:36
